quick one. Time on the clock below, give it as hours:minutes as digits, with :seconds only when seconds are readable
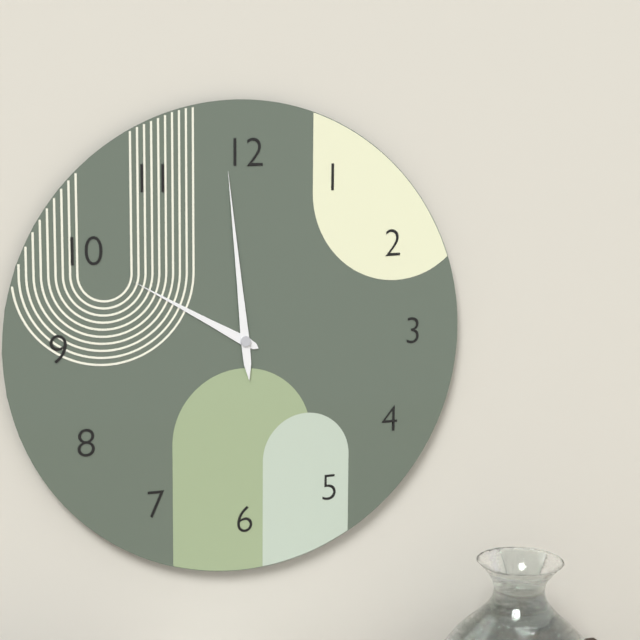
9:59
